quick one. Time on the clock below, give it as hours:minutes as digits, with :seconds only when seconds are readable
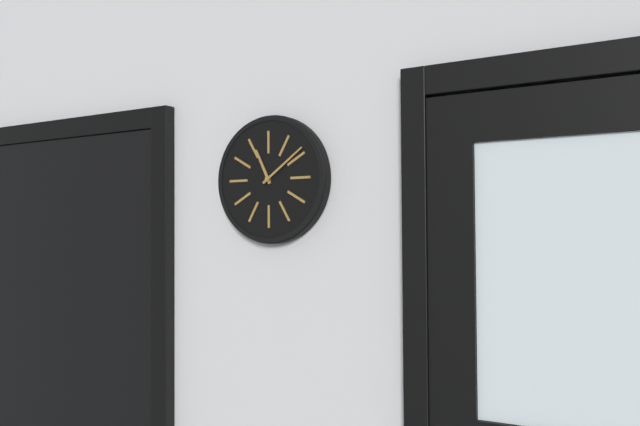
11:09
